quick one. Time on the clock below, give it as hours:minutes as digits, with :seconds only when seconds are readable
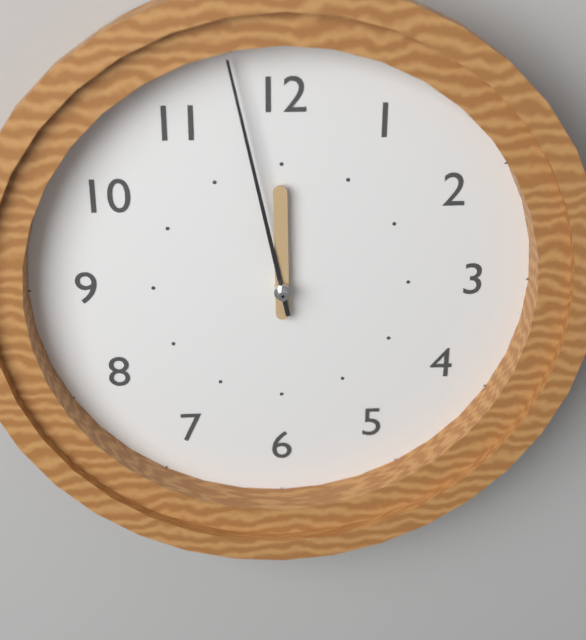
11:58
